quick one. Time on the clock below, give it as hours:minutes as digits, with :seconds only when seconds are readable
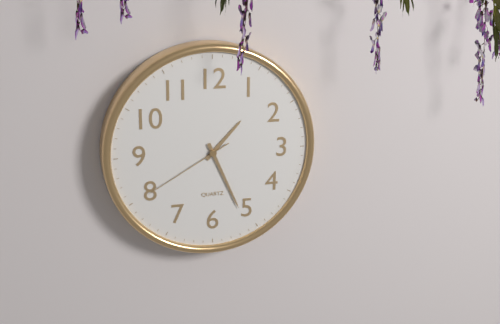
1:26:40
